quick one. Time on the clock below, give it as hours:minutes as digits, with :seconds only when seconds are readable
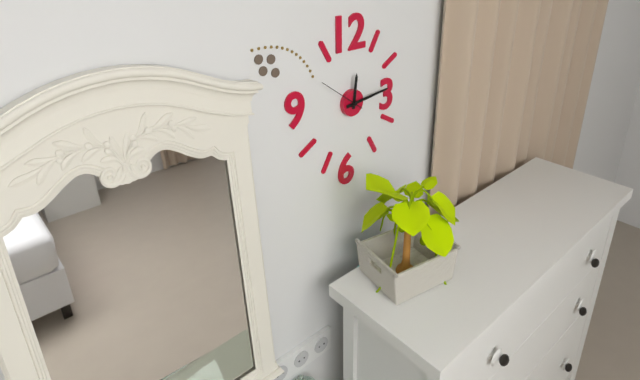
12:14
